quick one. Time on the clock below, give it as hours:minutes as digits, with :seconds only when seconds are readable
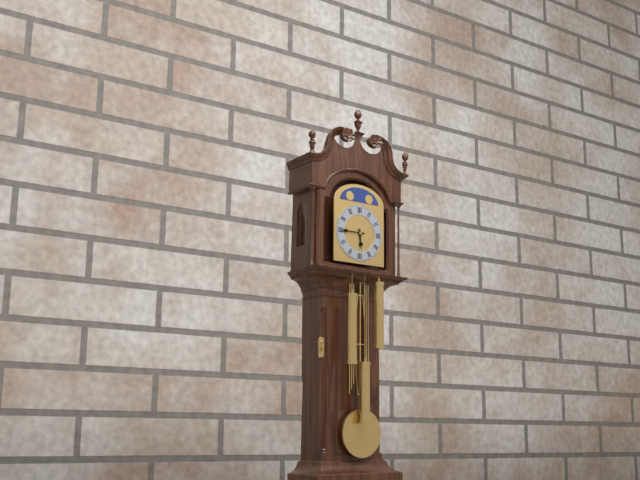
5:45
